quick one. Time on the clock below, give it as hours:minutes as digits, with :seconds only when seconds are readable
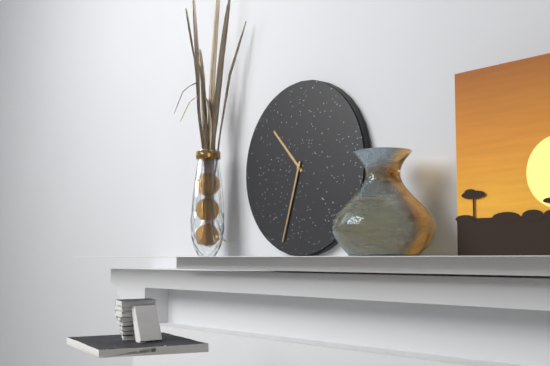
10:33
